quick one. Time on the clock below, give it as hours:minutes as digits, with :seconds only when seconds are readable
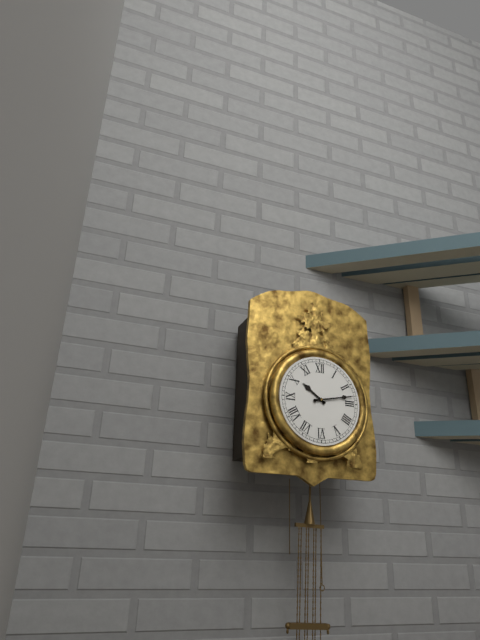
10:13
